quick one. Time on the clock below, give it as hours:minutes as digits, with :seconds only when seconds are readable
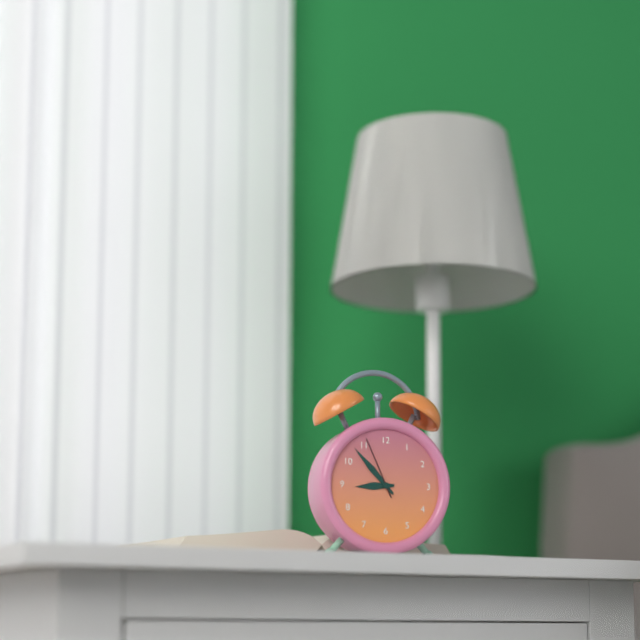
8:53:56
